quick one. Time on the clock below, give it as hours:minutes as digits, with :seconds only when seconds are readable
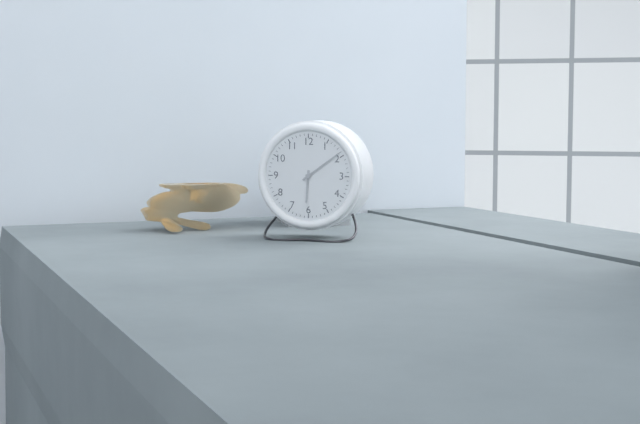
6:09
